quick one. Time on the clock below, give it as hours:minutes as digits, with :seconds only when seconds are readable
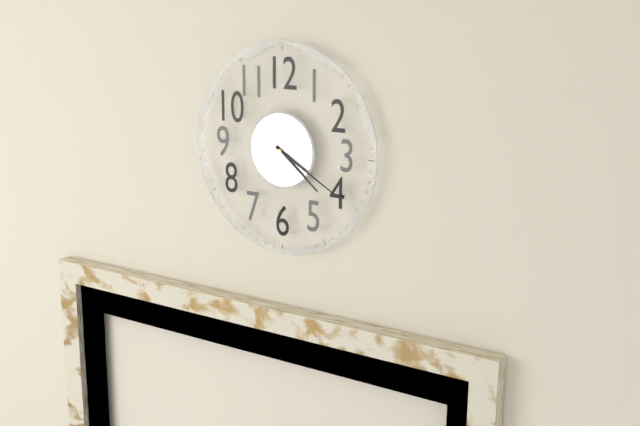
4:20
